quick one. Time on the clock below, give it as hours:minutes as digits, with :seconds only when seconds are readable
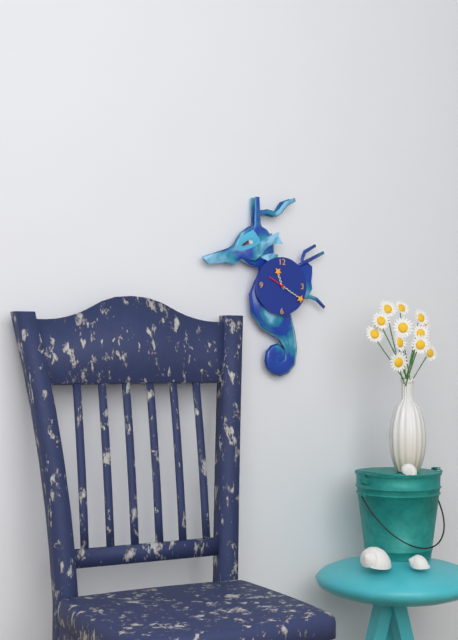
11:20
